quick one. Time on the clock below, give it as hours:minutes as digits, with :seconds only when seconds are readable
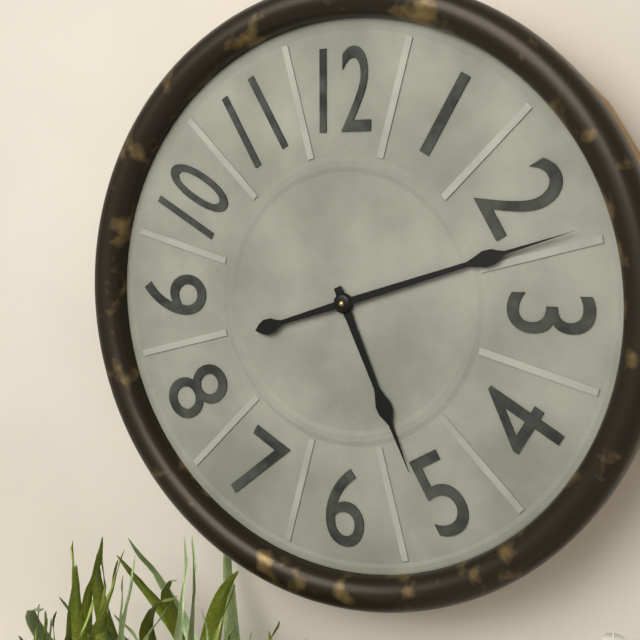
5:12
